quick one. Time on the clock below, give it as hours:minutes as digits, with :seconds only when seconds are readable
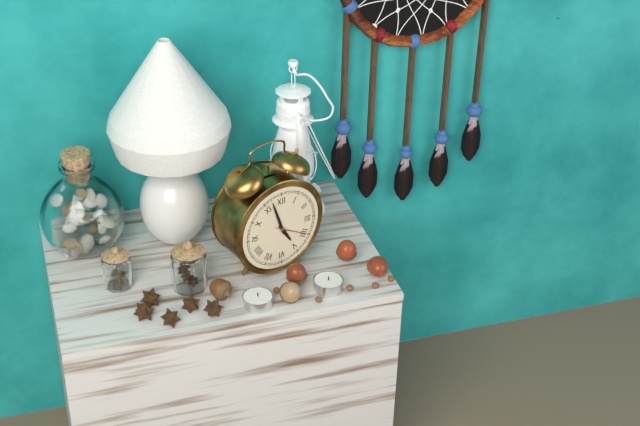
4:57
